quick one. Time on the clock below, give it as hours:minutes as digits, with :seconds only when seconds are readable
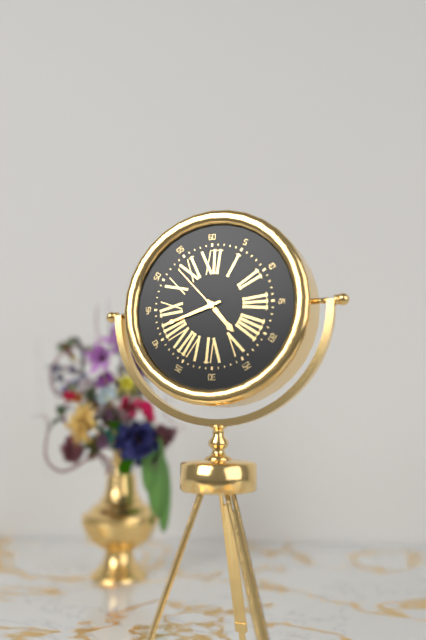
4:42:53
